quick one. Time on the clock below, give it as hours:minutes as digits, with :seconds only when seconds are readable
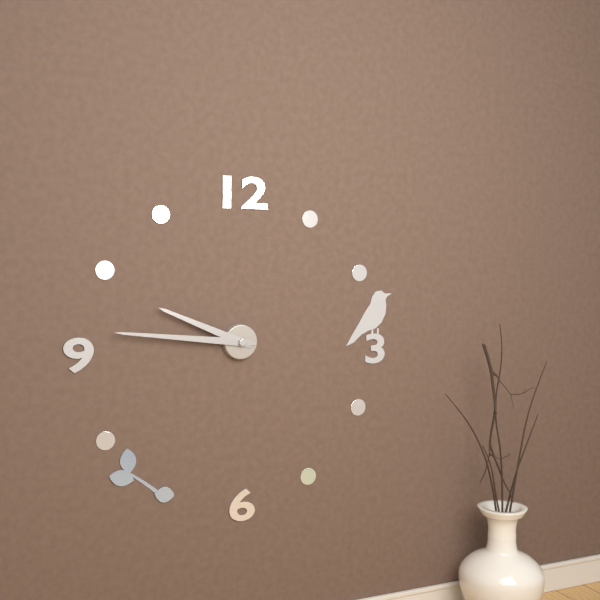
9:46
